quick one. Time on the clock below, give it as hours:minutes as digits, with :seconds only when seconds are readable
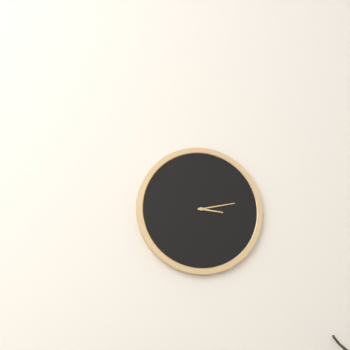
3:13
